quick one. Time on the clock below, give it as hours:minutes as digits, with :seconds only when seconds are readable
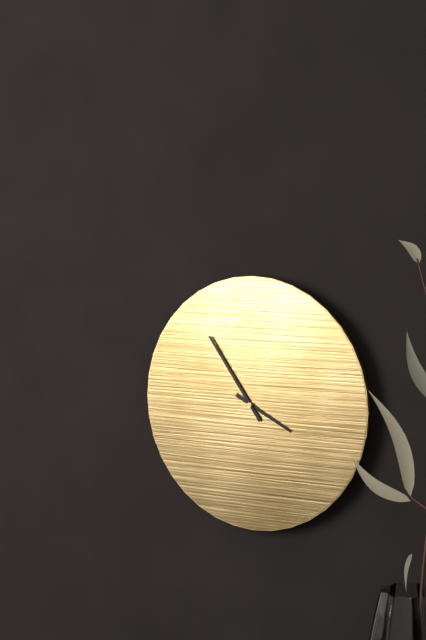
3:54
